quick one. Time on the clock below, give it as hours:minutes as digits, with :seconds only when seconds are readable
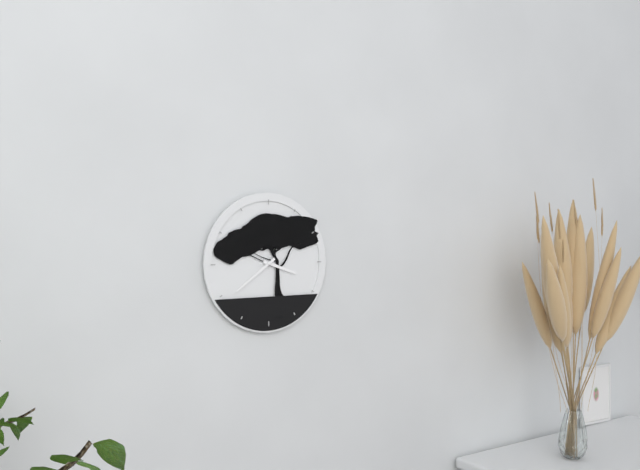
3:39
